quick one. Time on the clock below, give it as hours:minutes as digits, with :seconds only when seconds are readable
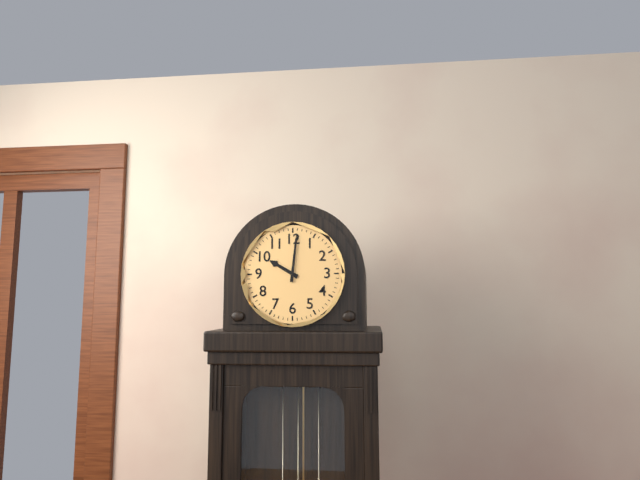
10:01
